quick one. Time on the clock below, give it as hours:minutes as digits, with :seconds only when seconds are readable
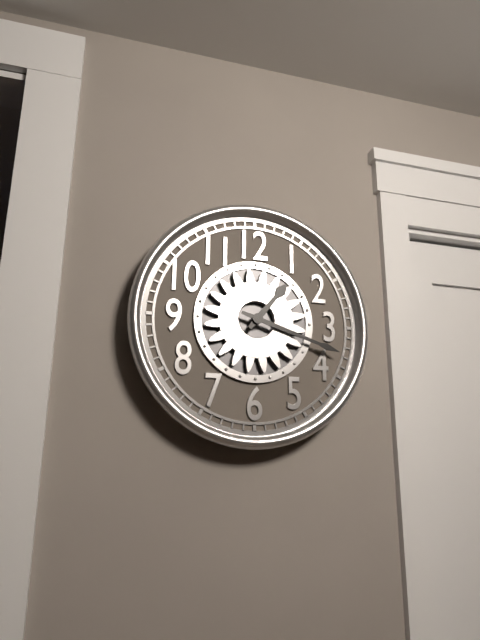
1:18
